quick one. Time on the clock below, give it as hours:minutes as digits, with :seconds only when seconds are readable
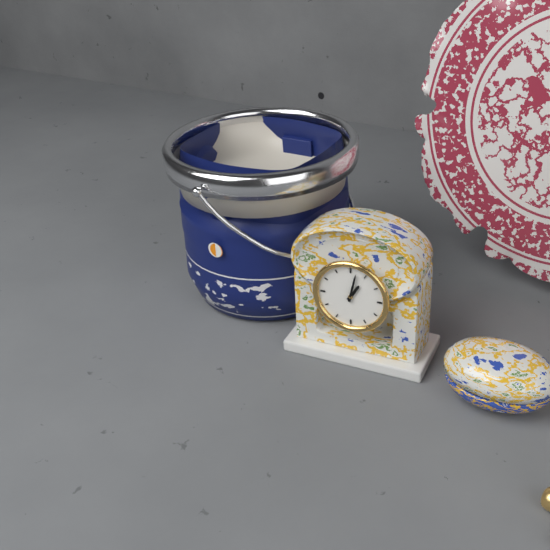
1:02
